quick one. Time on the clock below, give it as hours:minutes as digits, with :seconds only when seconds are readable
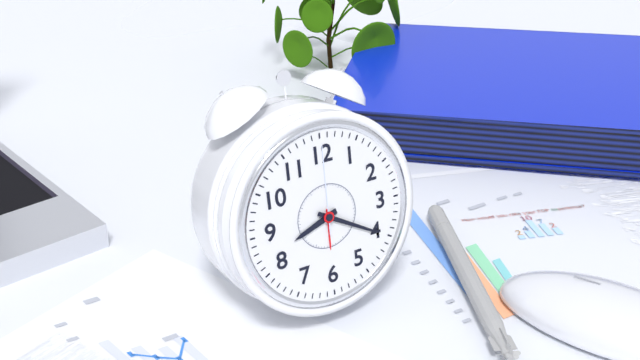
8:20:00
